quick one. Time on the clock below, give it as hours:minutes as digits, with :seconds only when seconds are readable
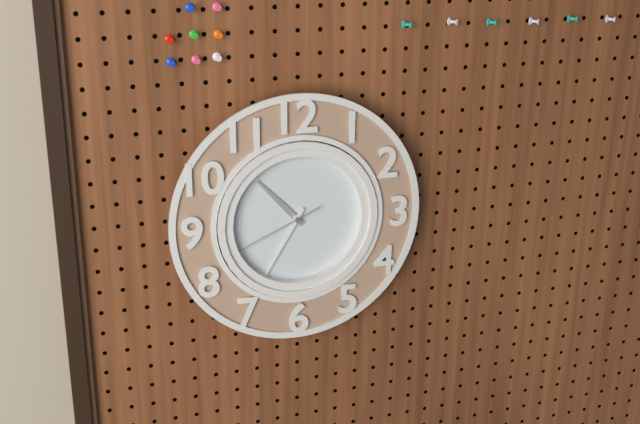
10:35:41
